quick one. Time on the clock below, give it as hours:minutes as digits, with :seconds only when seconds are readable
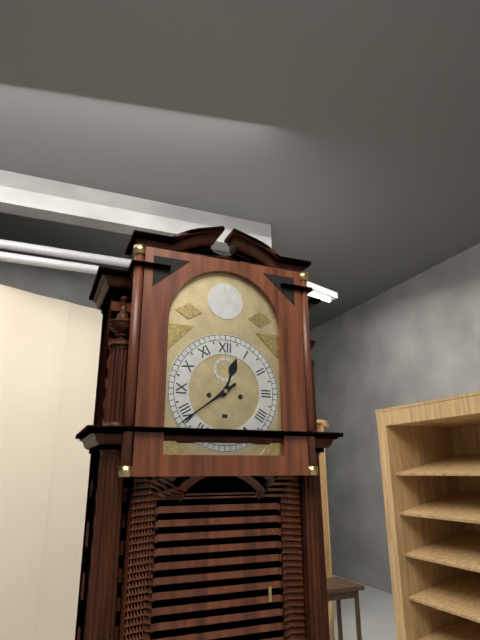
12:39
